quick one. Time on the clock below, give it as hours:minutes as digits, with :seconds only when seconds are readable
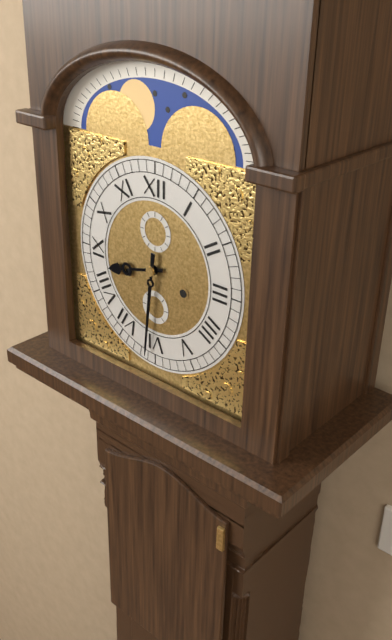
8:31
